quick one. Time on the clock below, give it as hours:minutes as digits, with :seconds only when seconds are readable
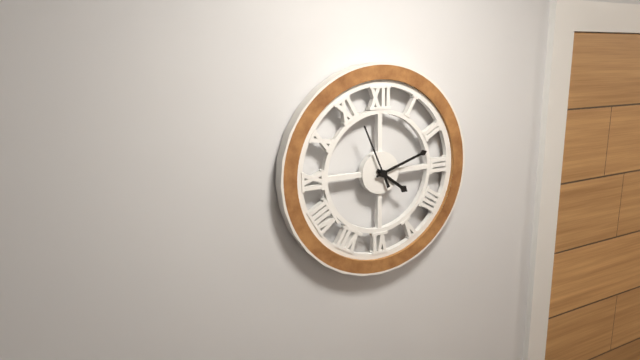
4:12:56
